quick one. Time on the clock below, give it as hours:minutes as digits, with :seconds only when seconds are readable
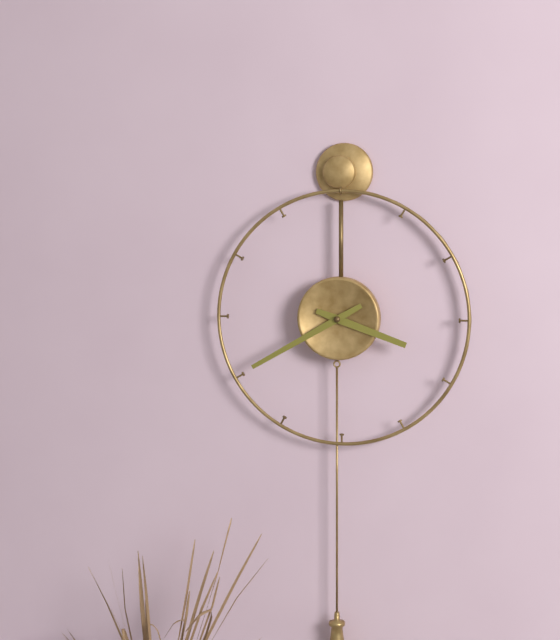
3:40
